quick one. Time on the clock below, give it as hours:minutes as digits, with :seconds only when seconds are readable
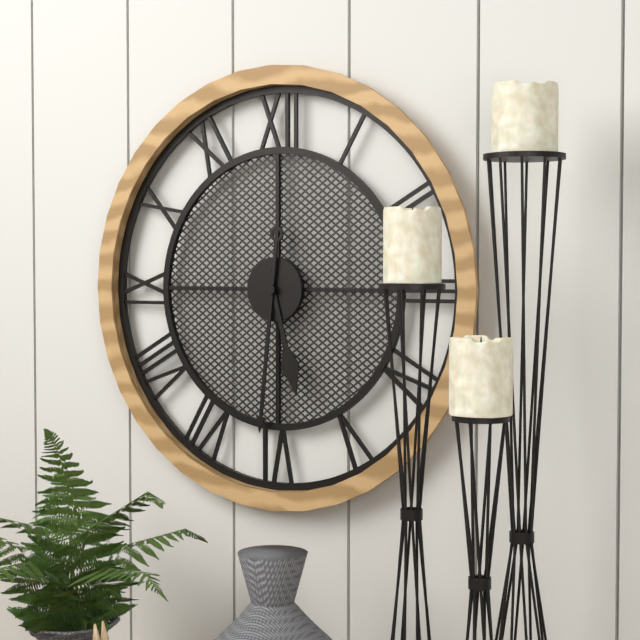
5:31
